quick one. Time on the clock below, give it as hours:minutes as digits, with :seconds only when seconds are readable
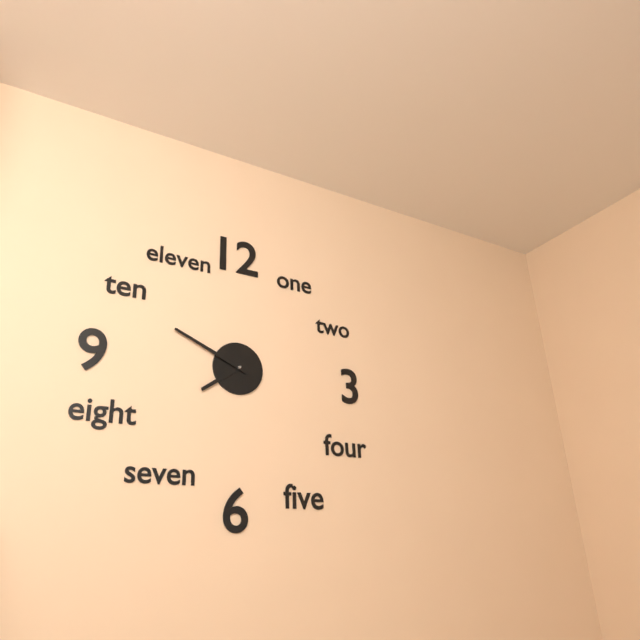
7:49
